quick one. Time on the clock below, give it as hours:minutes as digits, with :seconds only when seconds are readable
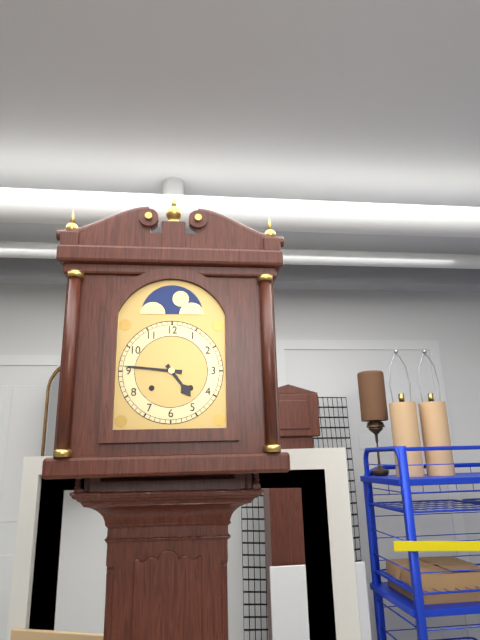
4:46
